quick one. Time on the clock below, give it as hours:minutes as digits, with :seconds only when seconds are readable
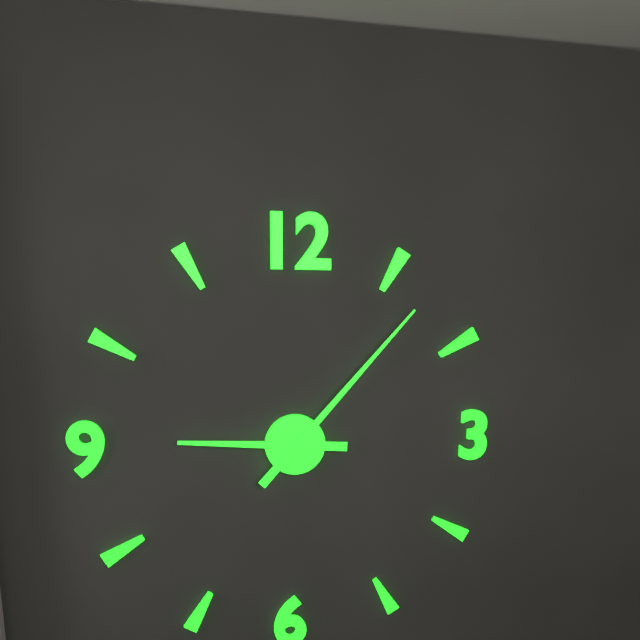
9:07
